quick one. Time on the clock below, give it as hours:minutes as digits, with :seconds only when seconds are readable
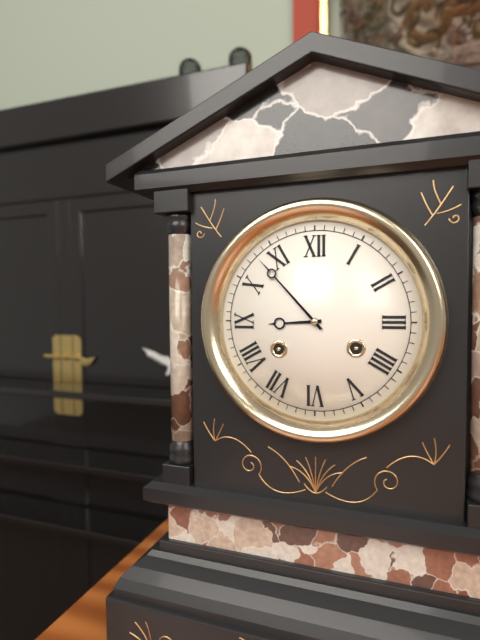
8:53
